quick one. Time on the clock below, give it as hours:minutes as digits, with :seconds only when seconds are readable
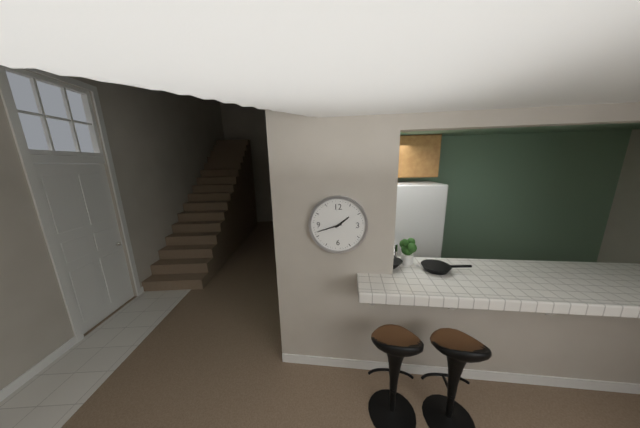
1:42
